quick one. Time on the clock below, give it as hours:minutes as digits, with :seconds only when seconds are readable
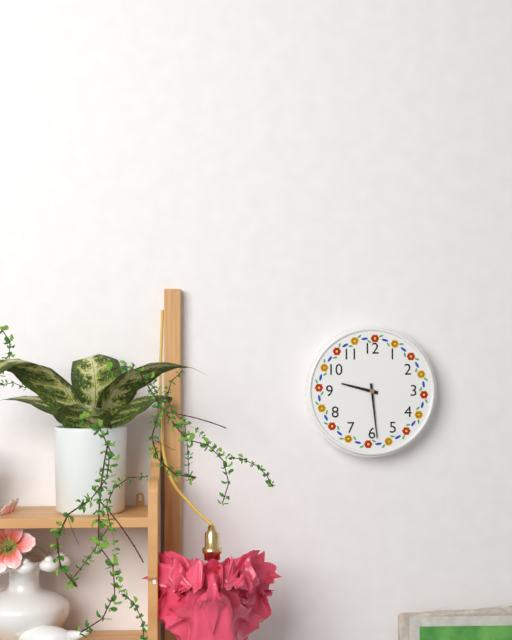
9:29
